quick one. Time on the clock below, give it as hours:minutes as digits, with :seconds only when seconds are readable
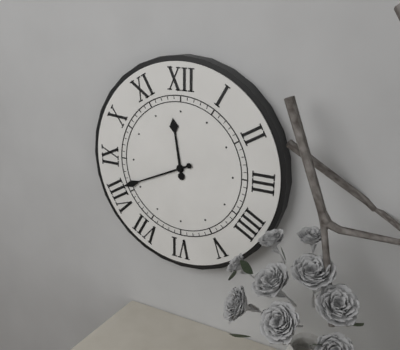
11:41
